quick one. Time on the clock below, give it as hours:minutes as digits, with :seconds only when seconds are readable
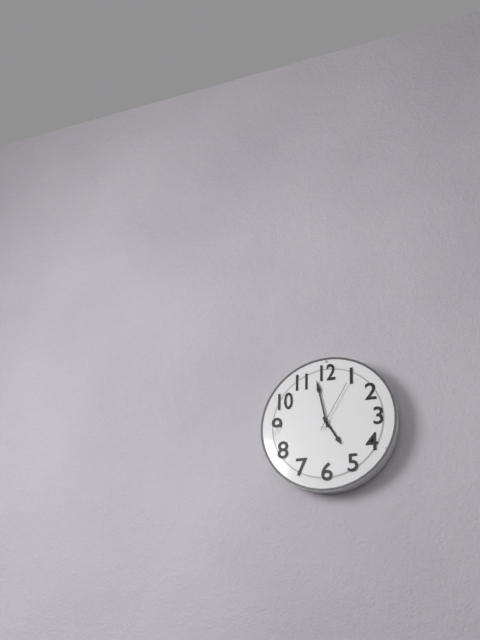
4:58:05
